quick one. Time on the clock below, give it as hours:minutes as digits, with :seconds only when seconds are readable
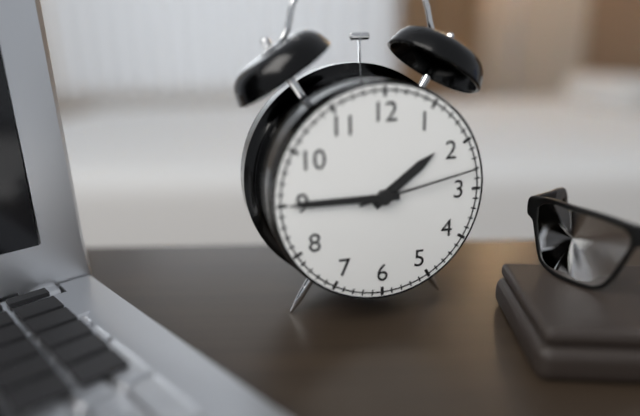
1:45:13
